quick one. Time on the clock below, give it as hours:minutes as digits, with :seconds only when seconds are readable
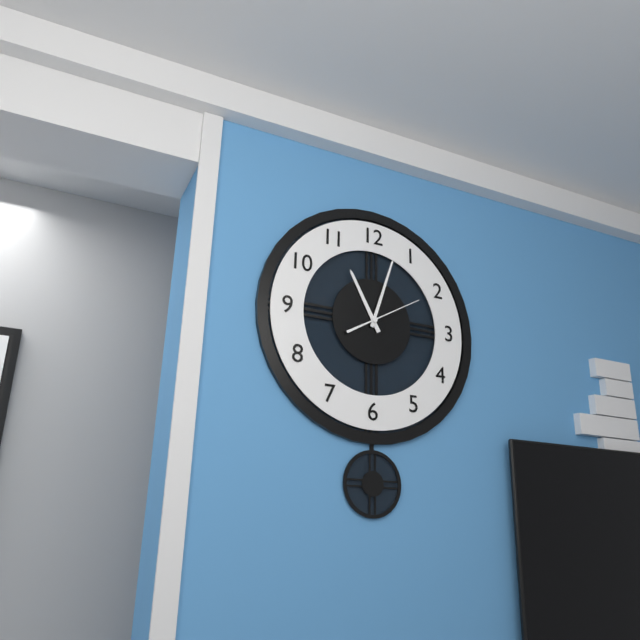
11:03:10
